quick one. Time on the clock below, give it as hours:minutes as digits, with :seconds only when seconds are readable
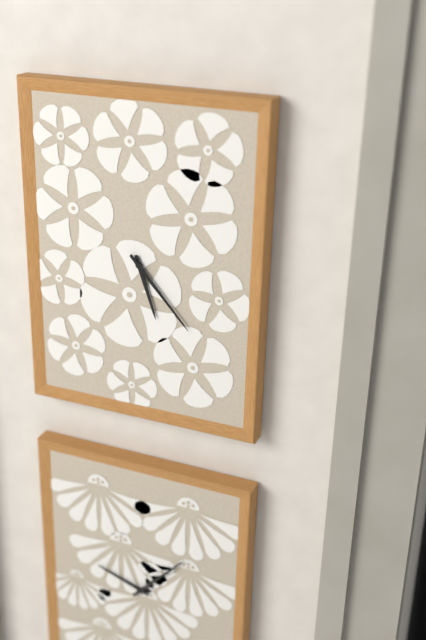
5:23
